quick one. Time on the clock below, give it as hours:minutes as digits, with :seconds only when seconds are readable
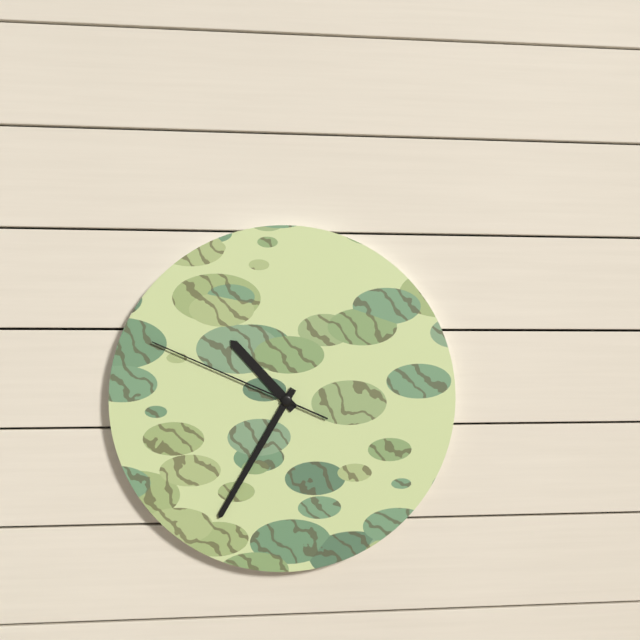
10:35:49
